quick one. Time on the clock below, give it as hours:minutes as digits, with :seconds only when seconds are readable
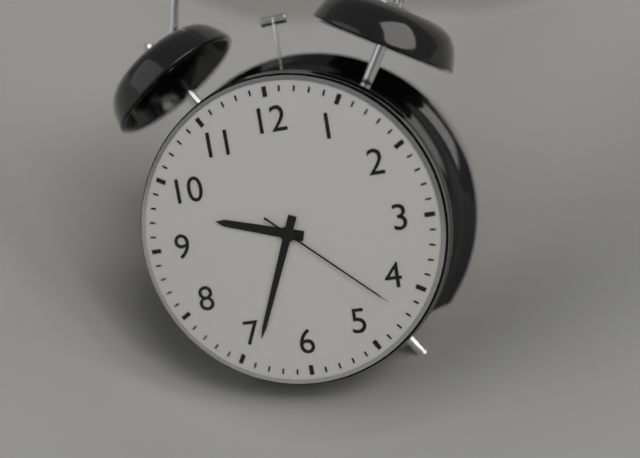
9:34:22
